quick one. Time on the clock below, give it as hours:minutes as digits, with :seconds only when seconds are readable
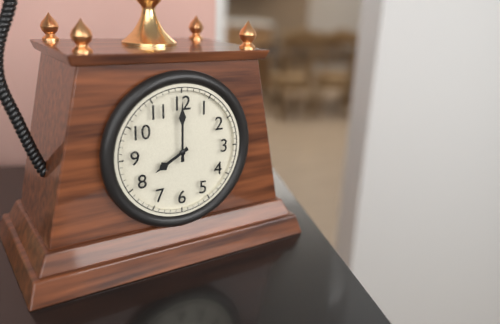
8:00
